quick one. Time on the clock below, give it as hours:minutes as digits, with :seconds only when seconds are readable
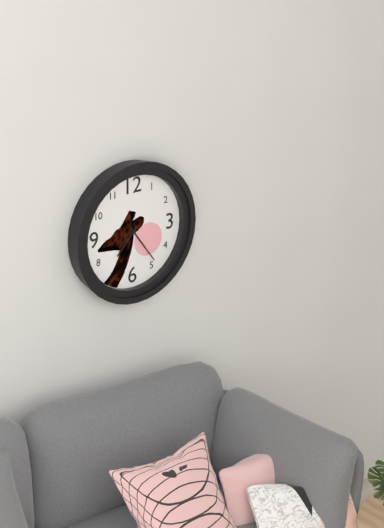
7:24
